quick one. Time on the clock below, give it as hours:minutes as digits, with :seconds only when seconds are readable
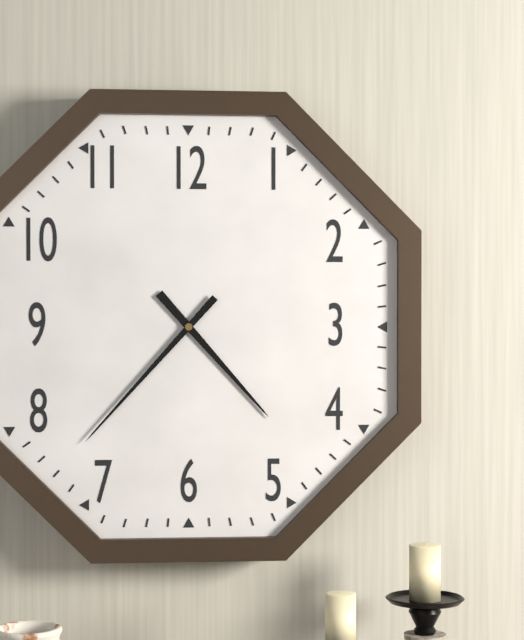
4:37
